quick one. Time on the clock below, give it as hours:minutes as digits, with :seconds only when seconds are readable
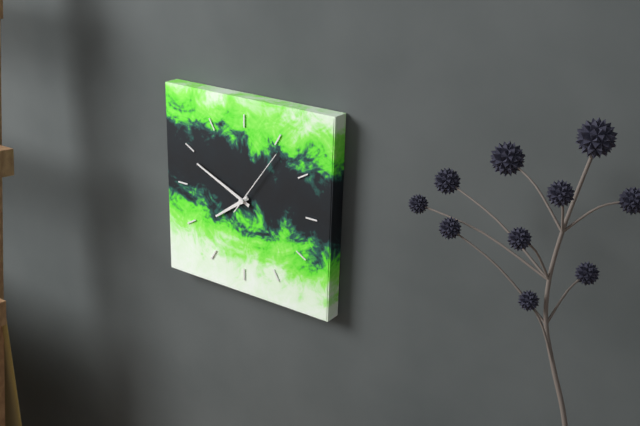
7:49:06
